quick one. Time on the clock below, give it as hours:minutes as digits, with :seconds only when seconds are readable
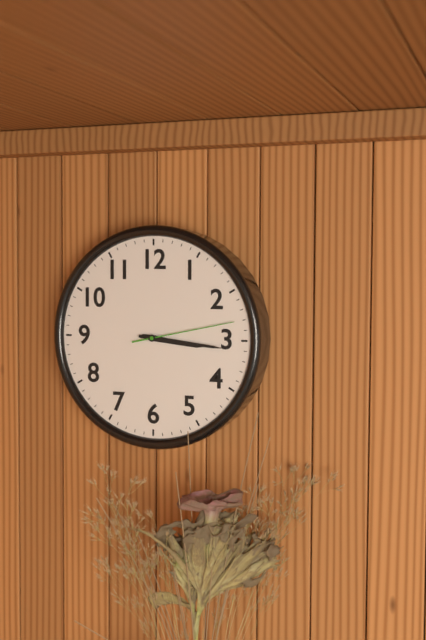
3:16:13
